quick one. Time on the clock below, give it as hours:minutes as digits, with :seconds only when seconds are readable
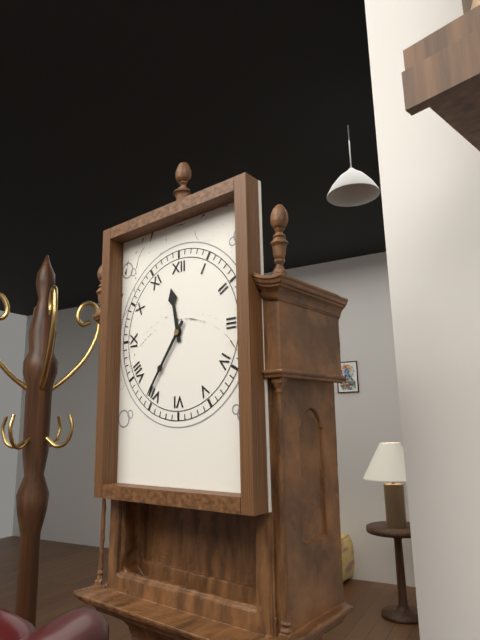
11:36
